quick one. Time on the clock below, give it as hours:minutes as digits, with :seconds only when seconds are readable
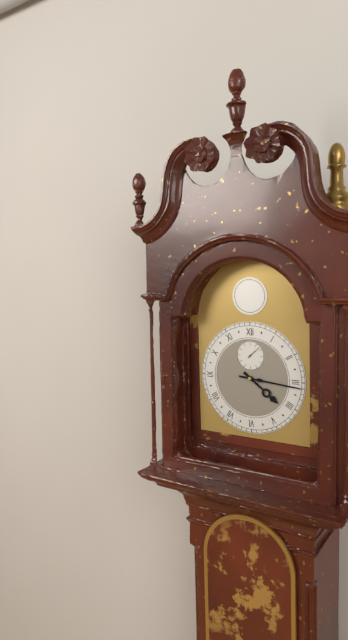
4:16
